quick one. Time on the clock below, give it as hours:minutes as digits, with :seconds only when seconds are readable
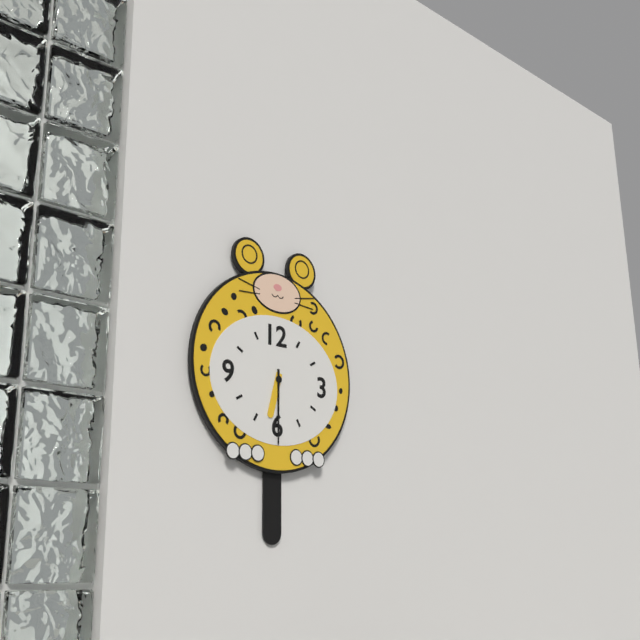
6:30
